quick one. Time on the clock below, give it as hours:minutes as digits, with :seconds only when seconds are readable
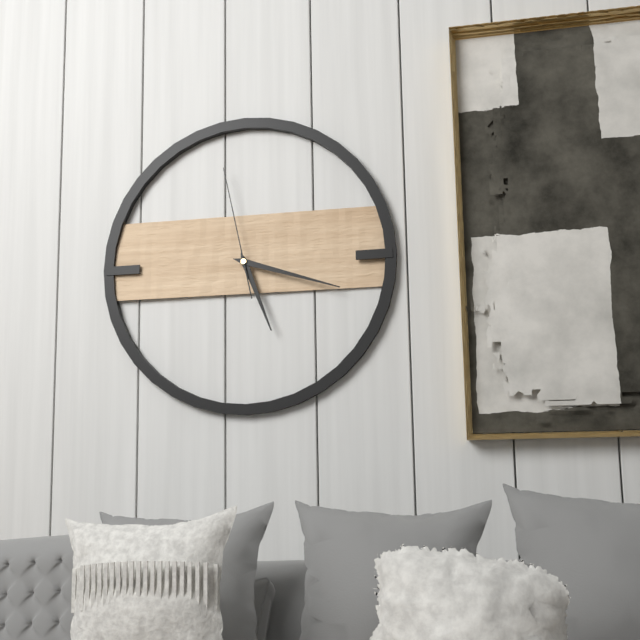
5:18:58
